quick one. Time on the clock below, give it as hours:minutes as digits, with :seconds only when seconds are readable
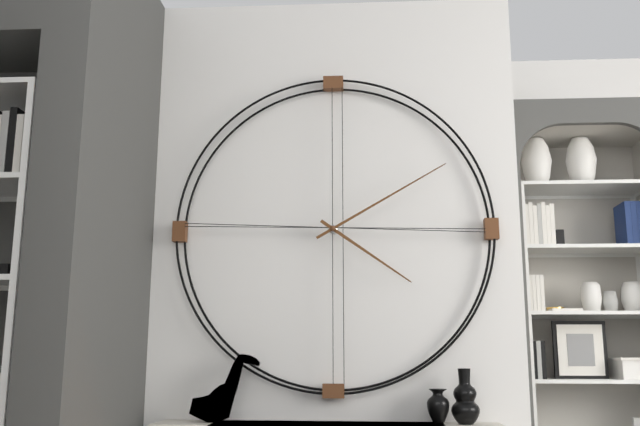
4:10
